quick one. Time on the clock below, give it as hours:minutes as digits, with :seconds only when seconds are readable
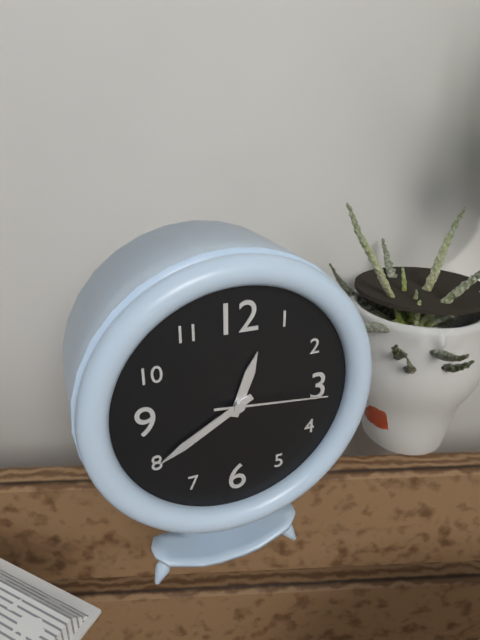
12:40:16
